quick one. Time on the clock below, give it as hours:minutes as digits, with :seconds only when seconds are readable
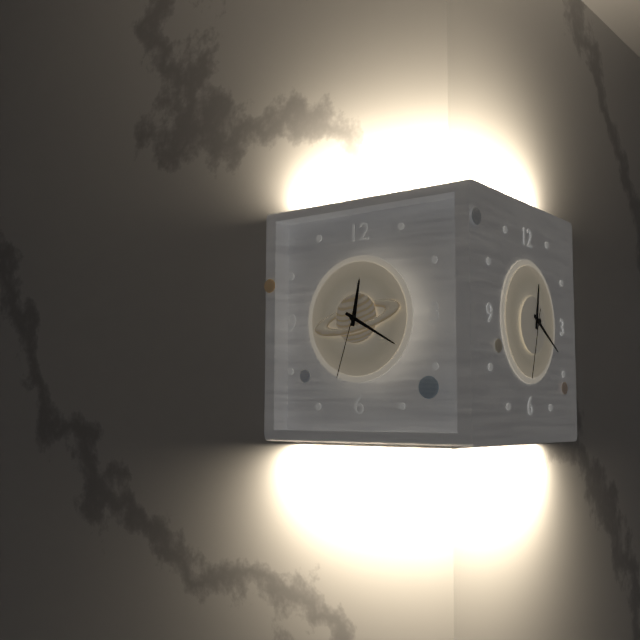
12:20:33
